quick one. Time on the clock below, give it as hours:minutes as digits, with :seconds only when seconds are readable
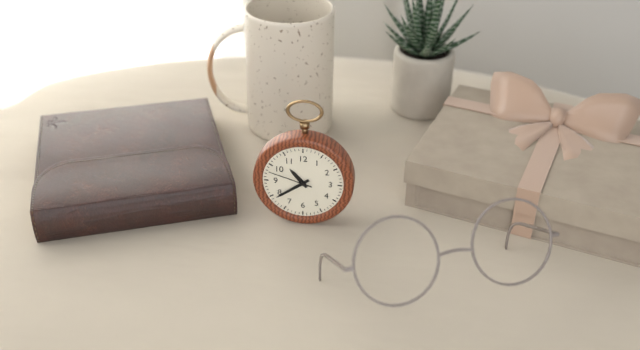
10:39
